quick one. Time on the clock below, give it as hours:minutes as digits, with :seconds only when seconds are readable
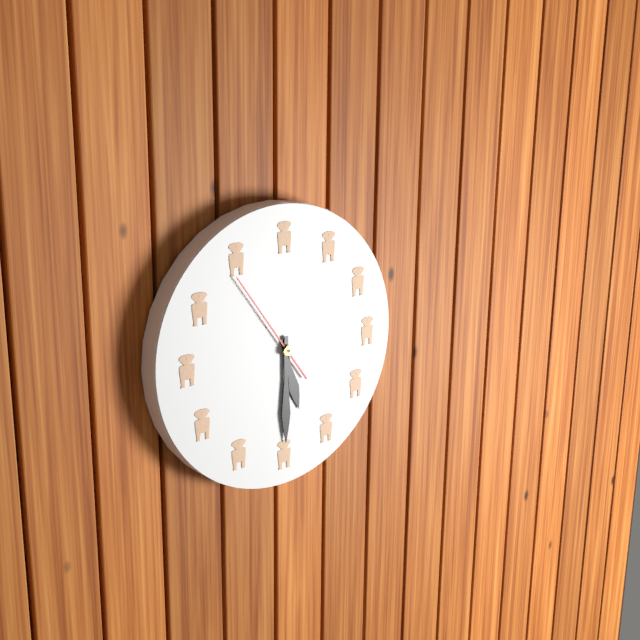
5:30:54
